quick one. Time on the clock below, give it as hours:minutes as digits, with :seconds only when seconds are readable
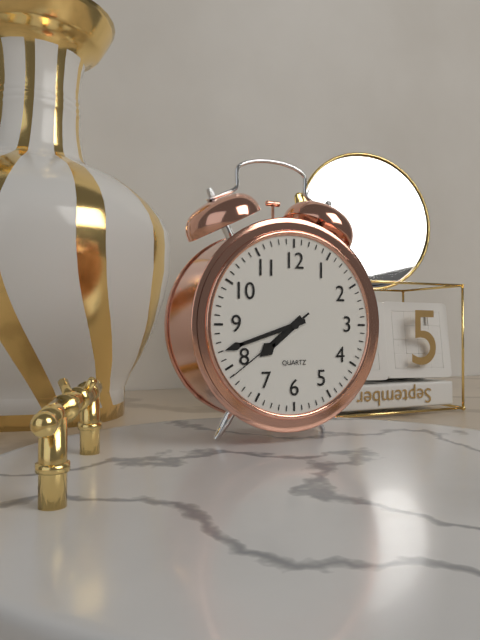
7:42:39
